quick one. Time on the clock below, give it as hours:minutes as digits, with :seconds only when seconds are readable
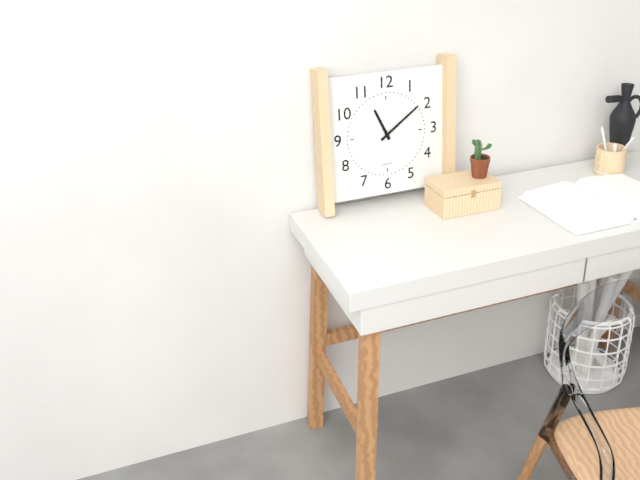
11:09
